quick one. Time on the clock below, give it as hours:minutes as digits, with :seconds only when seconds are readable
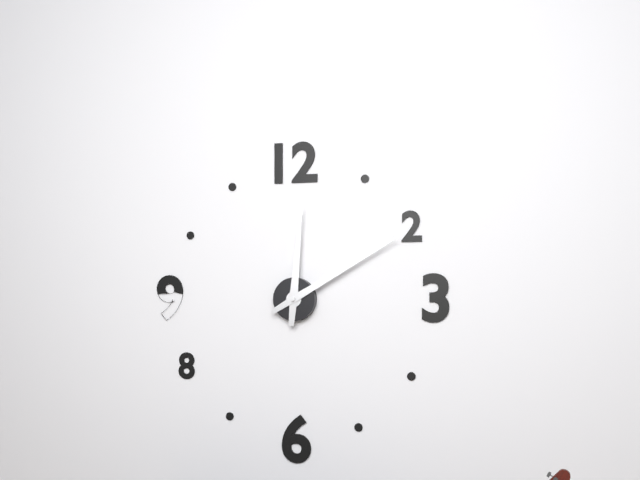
12:10
